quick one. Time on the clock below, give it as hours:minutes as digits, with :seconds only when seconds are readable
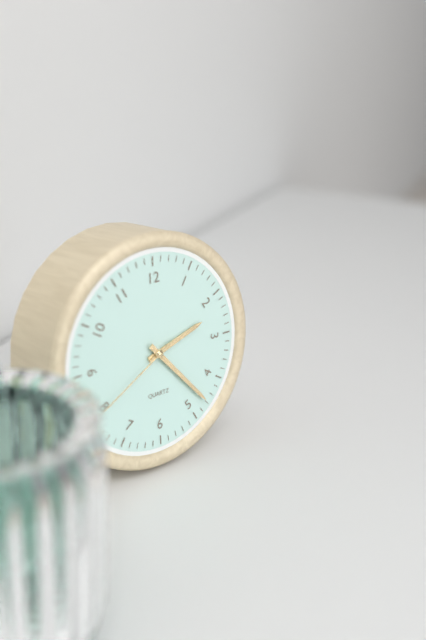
2:23:40
